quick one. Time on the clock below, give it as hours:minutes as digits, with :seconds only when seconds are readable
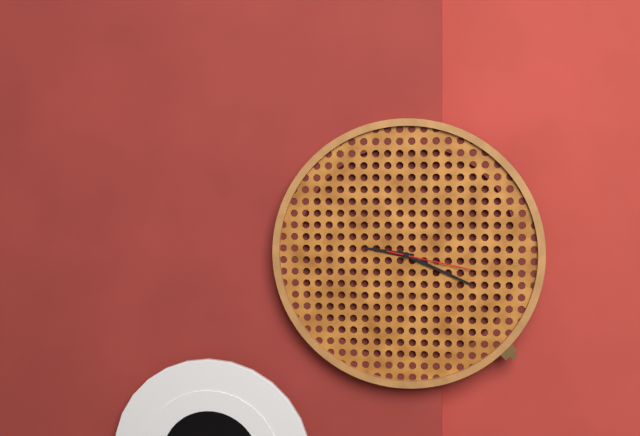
9:19:17
